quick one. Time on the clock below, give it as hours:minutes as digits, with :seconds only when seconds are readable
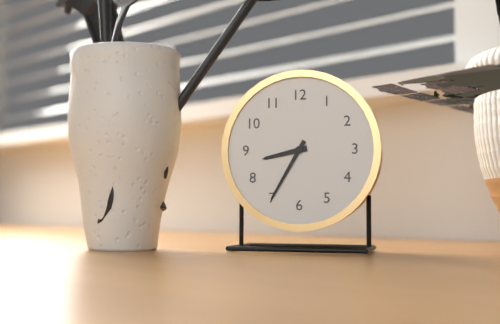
8:35
